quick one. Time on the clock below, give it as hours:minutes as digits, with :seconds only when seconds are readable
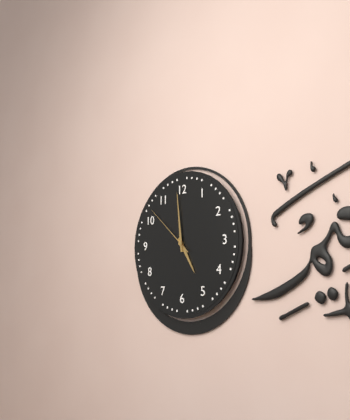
4:59:52
